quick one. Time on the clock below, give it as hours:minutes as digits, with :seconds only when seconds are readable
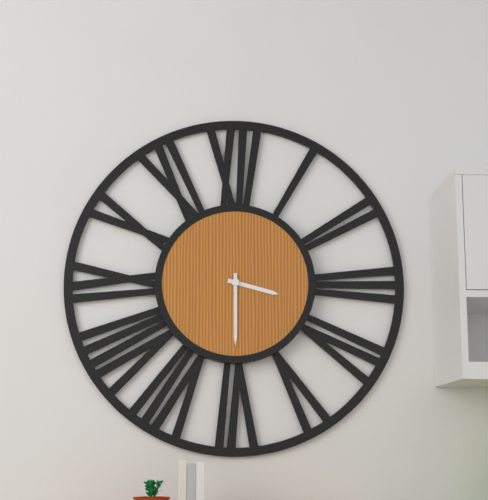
3:30
